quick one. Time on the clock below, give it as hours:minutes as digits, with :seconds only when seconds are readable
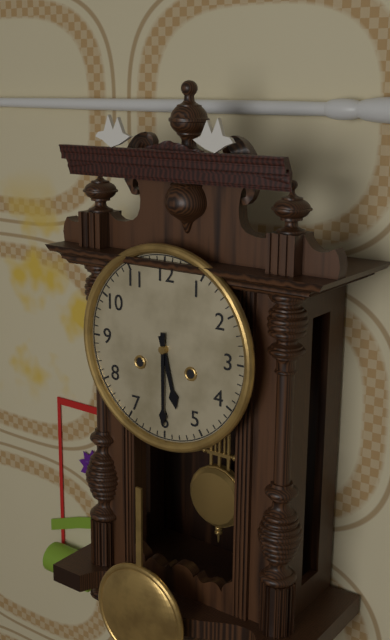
5:30
